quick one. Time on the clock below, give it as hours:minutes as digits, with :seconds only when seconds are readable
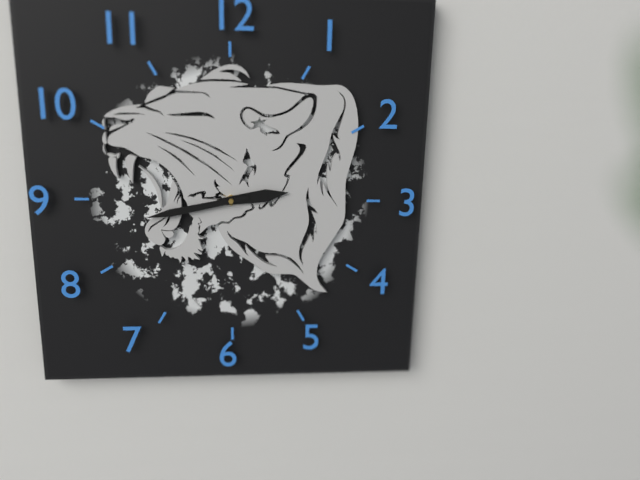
2:43
